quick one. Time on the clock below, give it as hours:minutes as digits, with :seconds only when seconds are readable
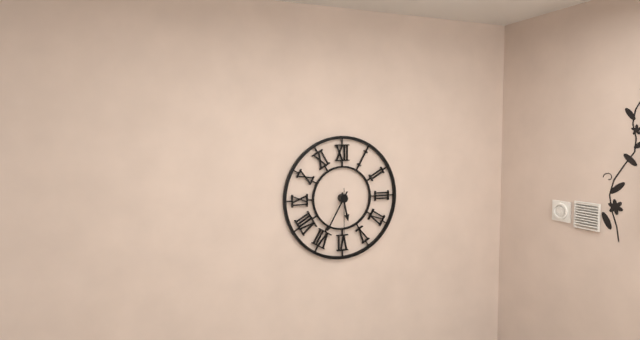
5:35
